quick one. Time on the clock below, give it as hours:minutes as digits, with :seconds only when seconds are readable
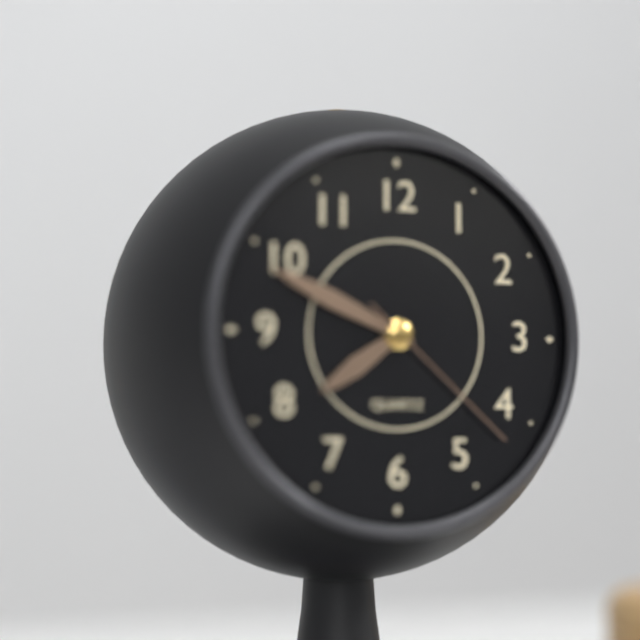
7:49:22
